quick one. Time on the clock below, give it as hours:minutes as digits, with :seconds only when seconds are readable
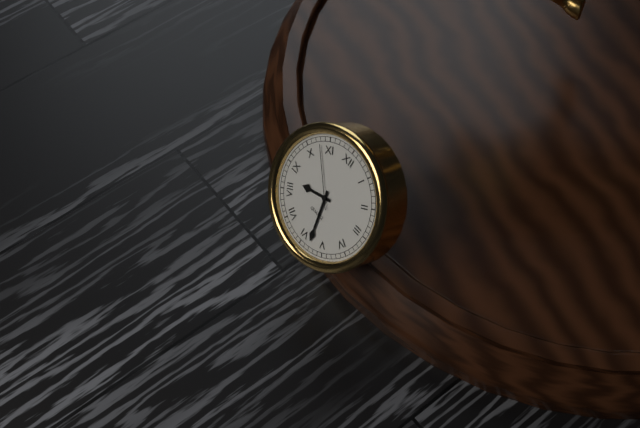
8:28:53
